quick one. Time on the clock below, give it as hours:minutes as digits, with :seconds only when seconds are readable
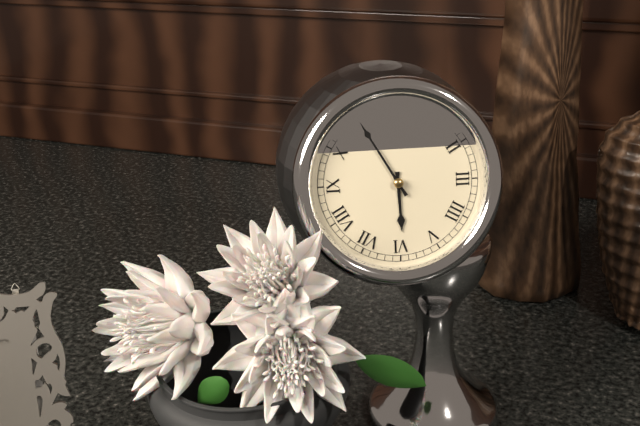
5:55
